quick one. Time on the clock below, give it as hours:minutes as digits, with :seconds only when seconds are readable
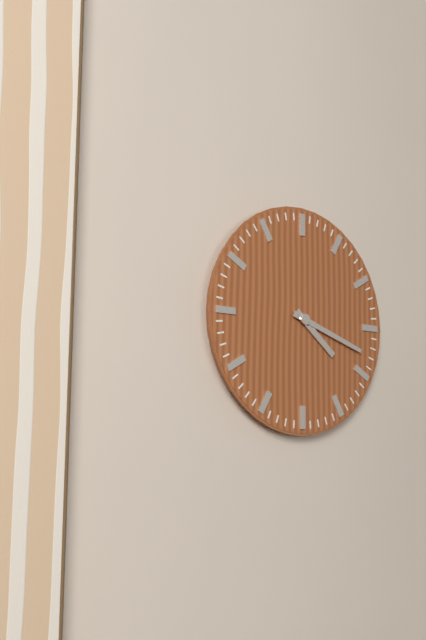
4:18
